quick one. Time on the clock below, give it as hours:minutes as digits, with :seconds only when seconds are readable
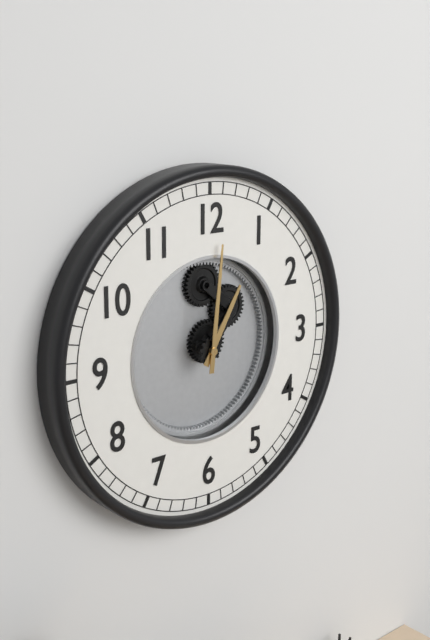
1:01
